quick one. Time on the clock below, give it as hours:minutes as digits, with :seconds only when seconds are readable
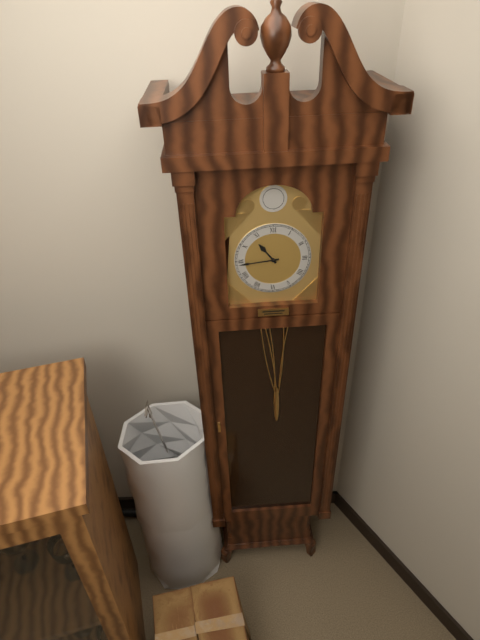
10:44
